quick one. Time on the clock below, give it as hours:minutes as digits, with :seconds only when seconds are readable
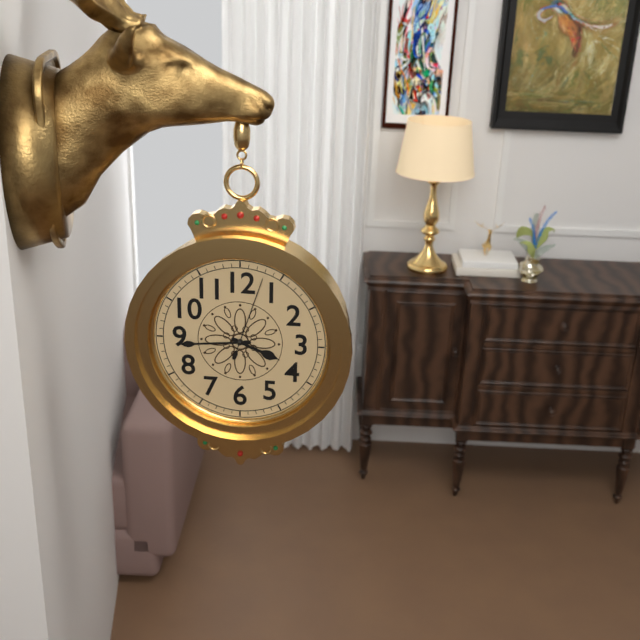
3:44:03
